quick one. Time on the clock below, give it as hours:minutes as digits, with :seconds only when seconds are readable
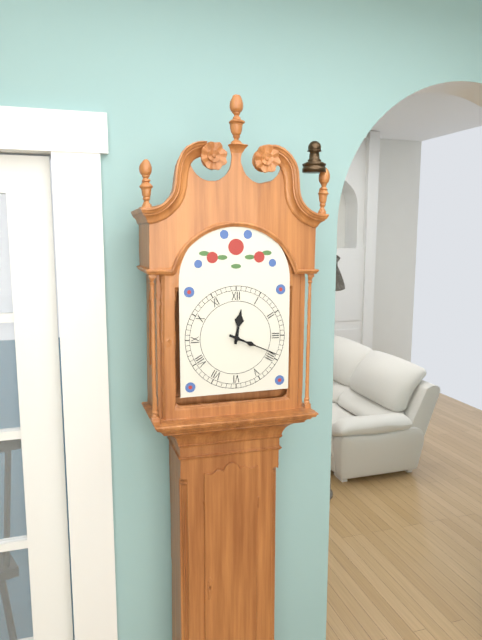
12:19
